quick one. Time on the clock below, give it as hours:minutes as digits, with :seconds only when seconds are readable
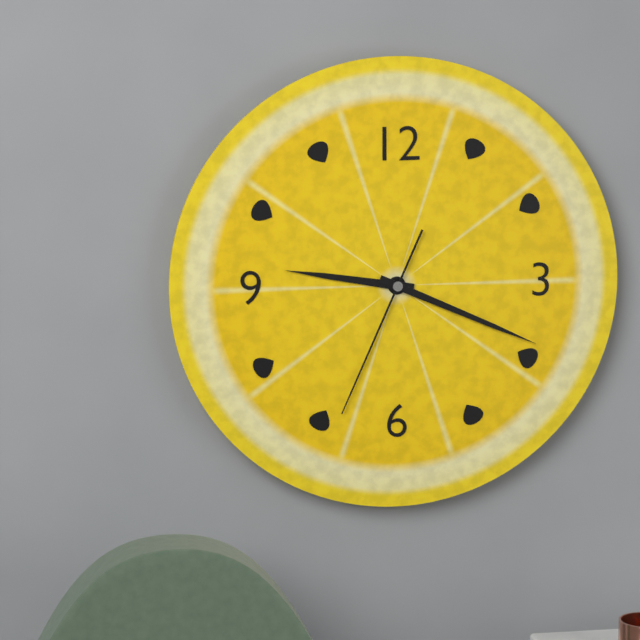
9:19:34
